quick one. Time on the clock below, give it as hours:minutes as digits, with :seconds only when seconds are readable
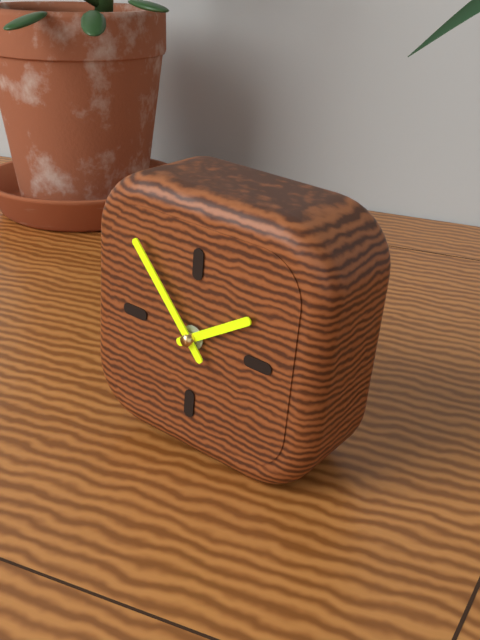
1:53
